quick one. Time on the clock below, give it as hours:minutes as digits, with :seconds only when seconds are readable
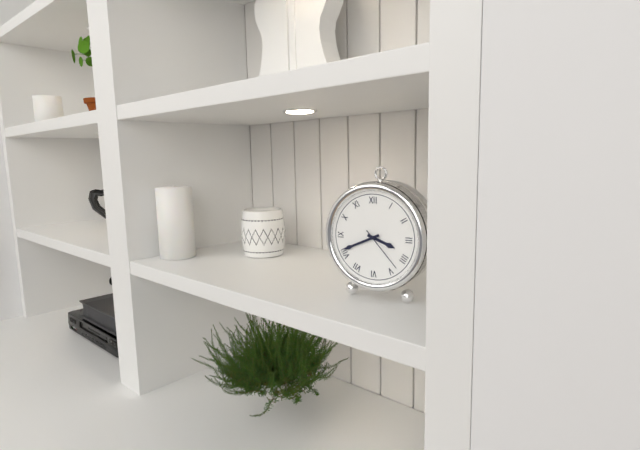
3:41
